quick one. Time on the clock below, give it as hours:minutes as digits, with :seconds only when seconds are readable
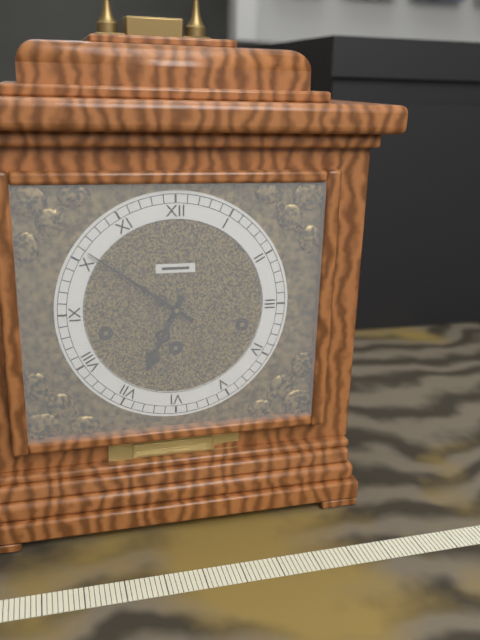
6:51
